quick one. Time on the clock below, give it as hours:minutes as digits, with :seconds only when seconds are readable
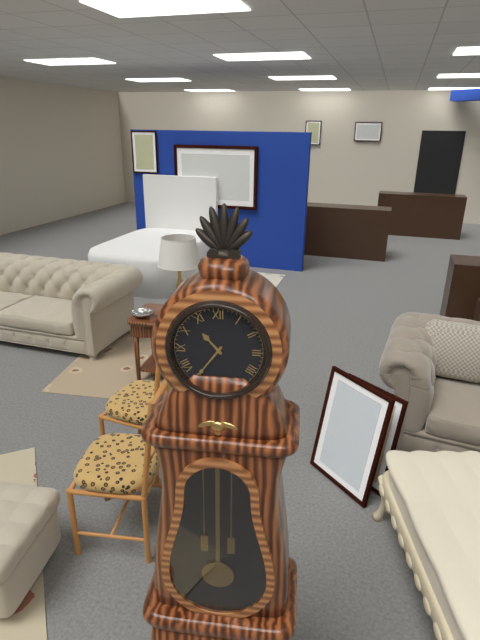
10:36
